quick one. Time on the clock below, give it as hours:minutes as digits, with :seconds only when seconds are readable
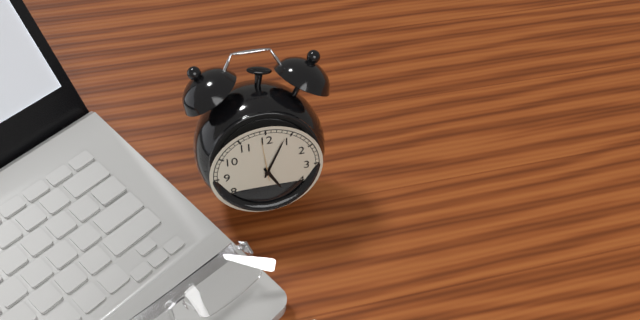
5:04
